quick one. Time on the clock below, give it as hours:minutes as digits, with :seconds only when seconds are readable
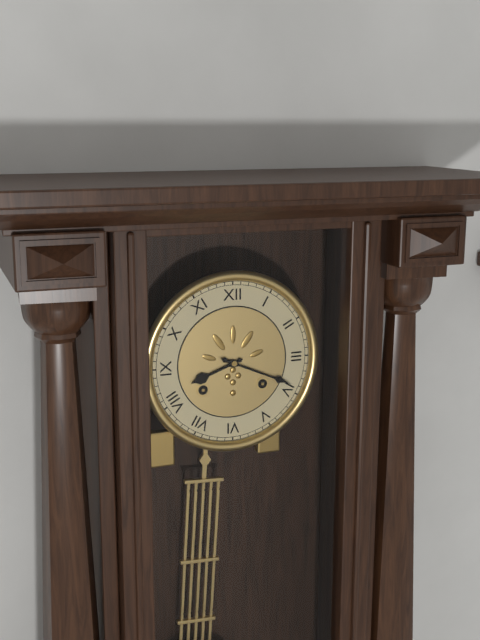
8:19
